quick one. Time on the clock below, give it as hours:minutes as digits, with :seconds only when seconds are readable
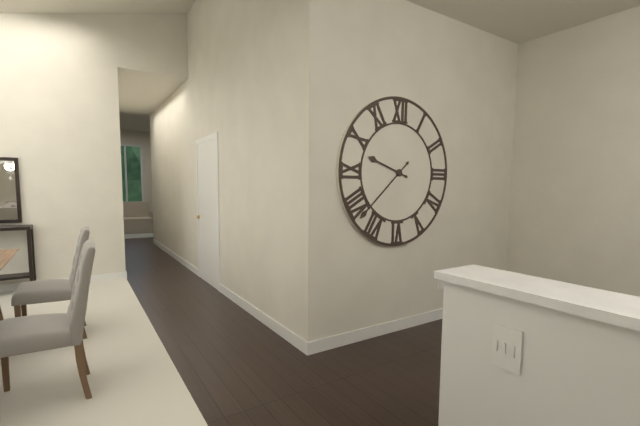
9:38
